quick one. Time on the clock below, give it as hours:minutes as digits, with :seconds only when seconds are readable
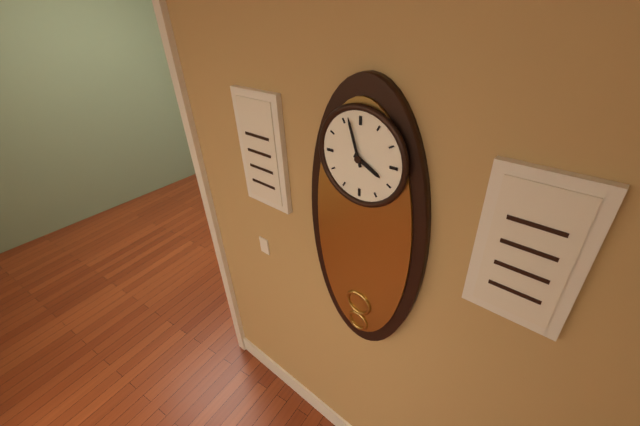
3:57
